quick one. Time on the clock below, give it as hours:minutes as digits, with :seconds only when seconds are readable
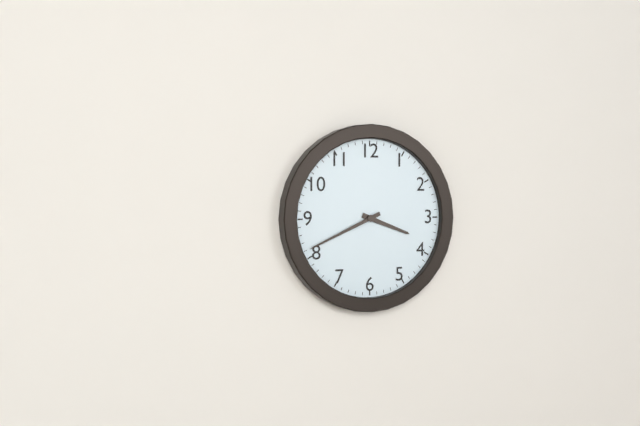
3:41
